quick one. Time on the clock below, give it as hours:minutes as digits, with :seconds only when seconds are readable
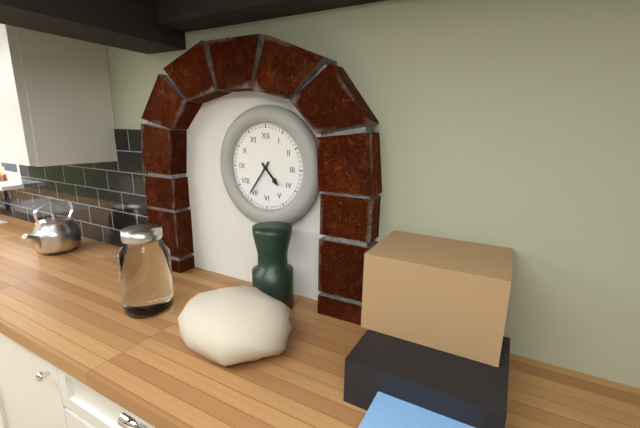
4:36
